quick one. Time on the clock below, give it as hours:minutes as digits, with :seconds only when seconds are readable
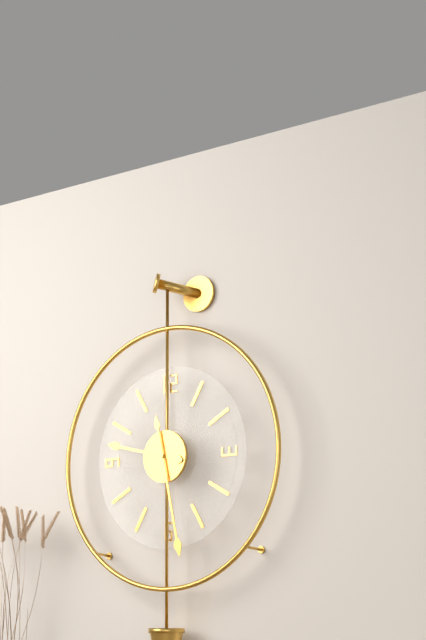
9:28
